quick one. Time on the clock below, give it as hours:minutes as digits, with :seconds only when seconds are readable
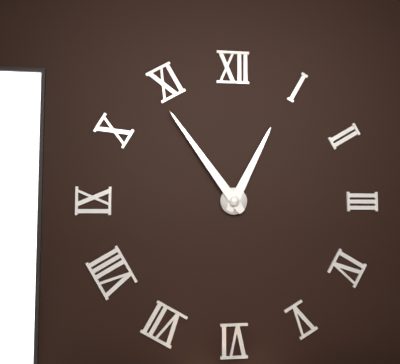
12:54
